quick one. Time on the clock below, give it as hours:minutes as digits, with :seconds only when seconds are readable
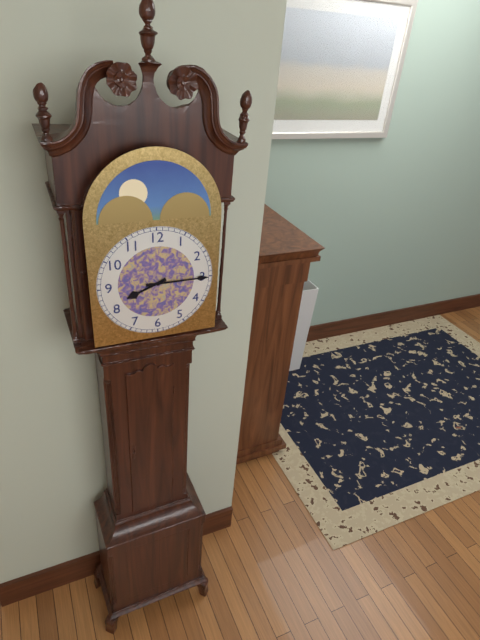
8:15
